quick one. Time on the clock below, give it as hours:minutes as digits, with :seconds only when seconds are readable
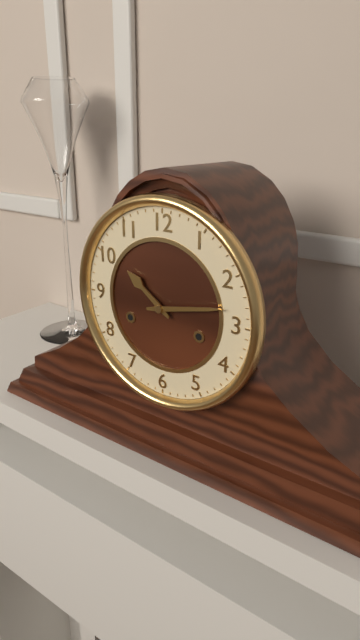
10:13
